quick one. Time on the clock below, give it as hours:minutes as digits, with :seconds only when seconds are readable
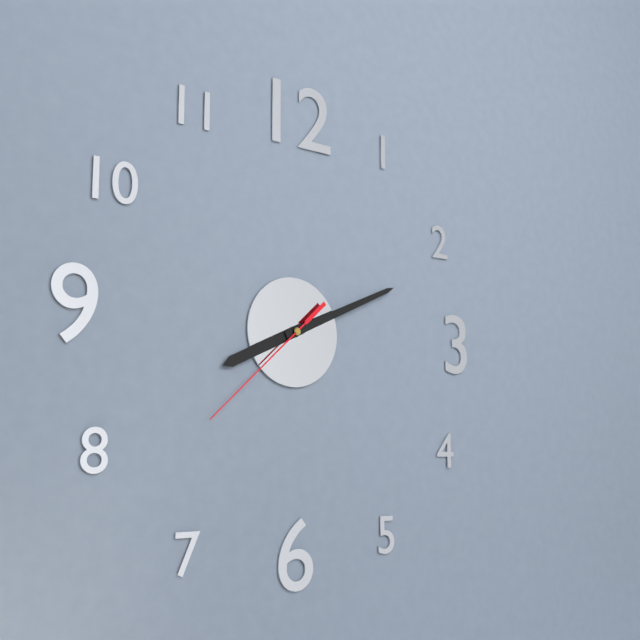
8:11:38
